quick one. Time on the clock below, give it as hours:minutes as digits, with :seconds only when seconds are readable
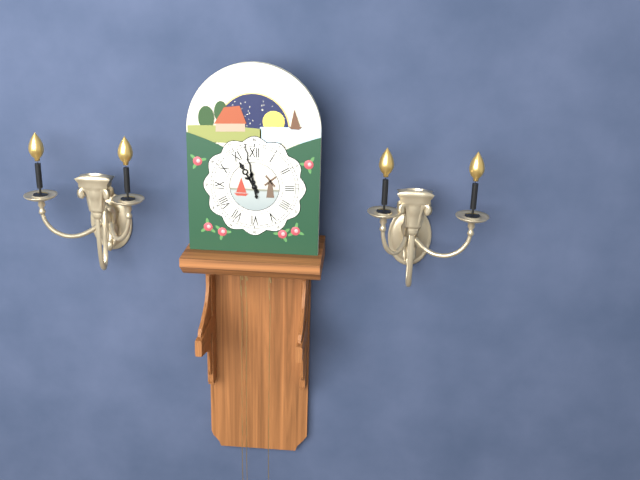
10:58
